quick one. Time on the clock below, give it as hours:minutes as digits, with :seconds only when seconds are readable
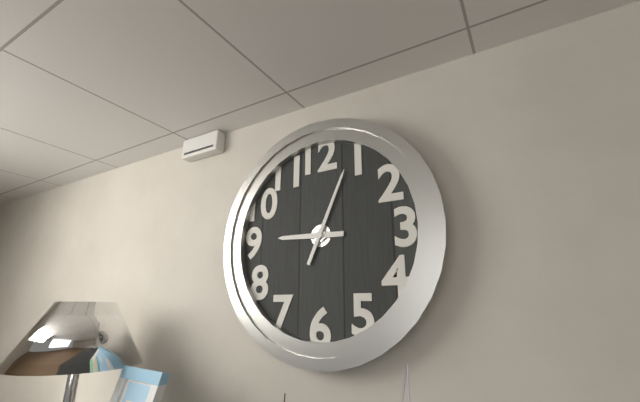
9:04
